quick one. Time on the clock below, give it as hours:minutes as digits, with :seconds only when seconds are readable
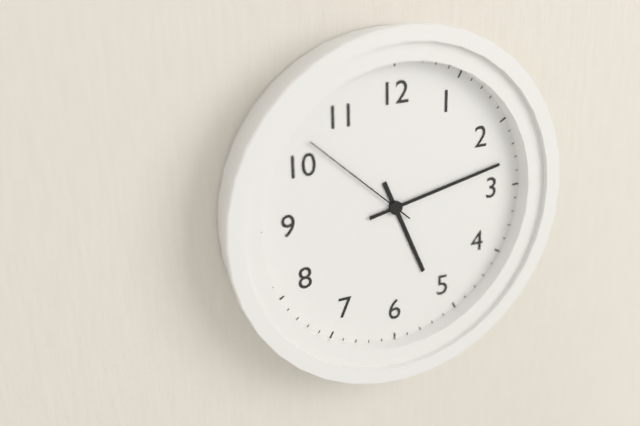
5:13:52
